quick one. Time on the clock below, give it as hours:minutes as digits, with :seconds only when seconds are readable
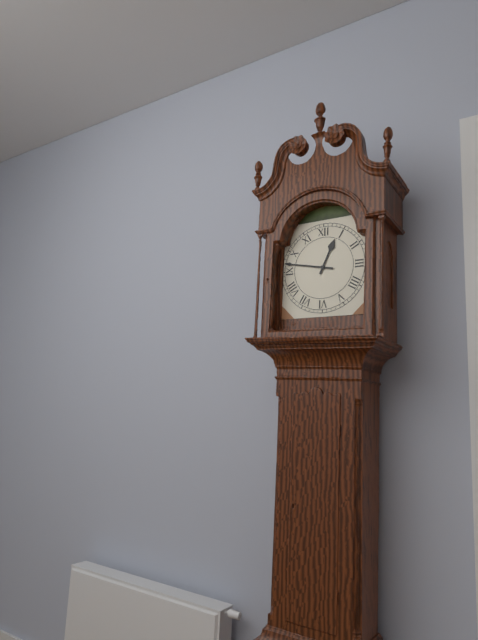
12:47
